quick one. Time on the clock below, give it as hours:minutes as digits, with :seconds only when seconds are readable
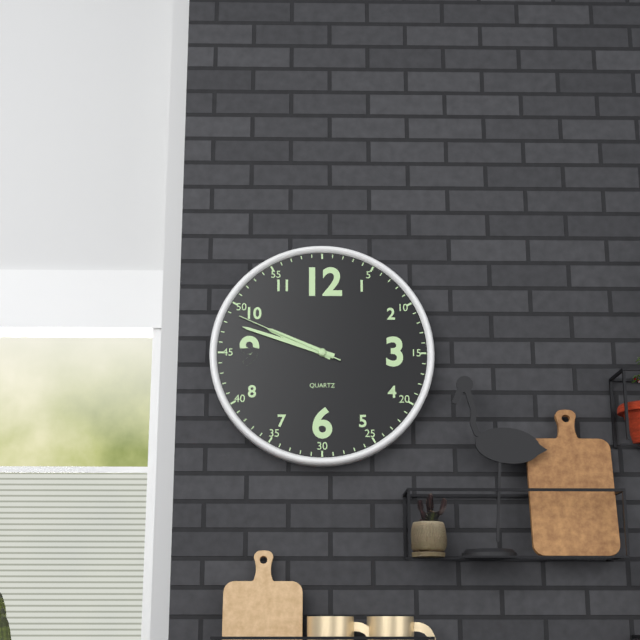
9:48:49
